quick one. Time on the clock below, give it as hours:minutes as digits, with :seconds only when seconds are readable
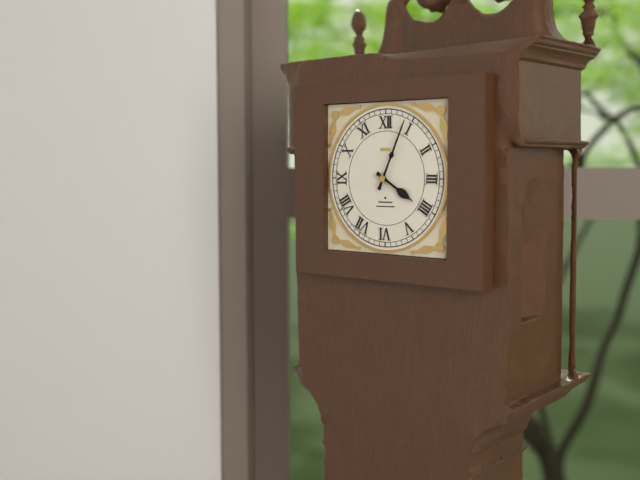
4:04
